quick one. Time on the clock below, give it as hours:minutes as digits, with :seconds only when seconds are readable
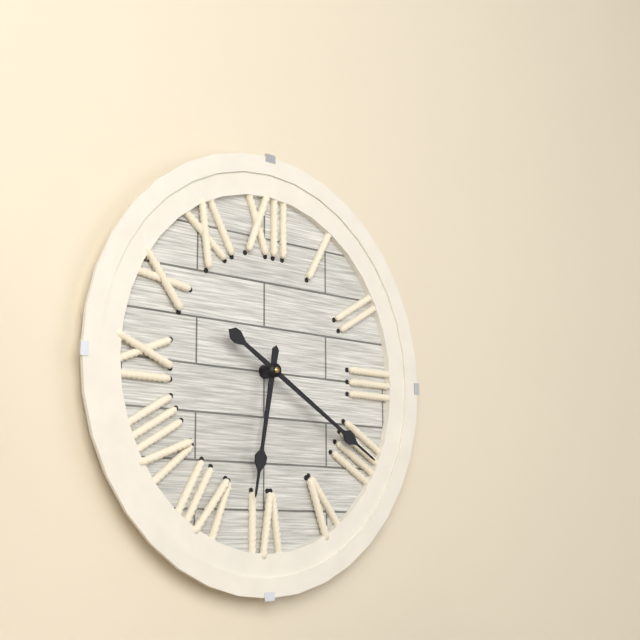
6:20
